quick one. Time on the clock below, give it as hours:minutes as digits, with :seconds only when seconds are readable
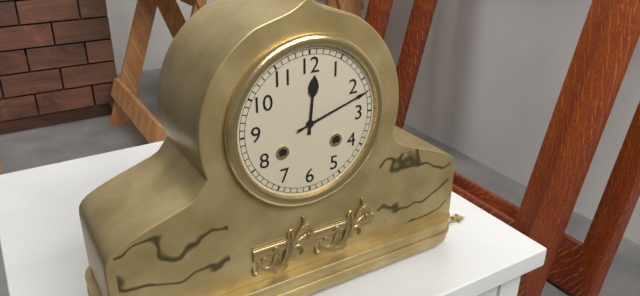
12:12
